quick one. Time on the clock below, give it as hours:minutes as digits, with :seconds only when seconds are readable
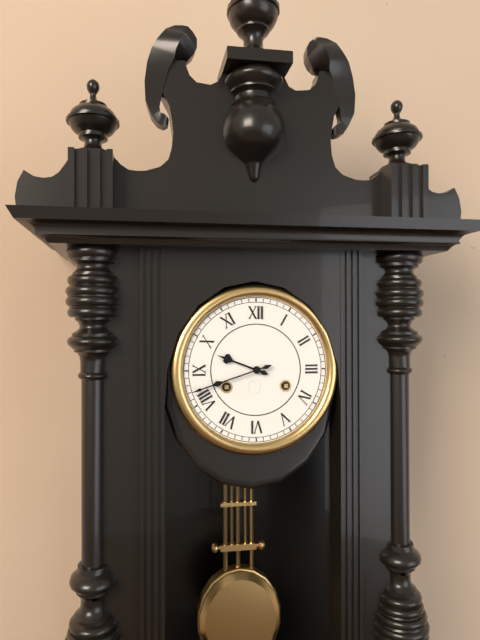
9:42
